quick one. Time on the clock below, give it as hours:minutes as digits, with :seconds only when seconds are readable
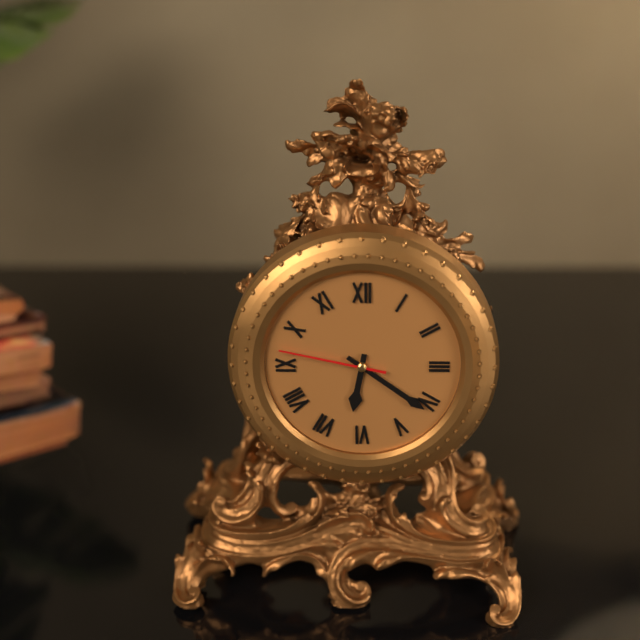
6:21:47
